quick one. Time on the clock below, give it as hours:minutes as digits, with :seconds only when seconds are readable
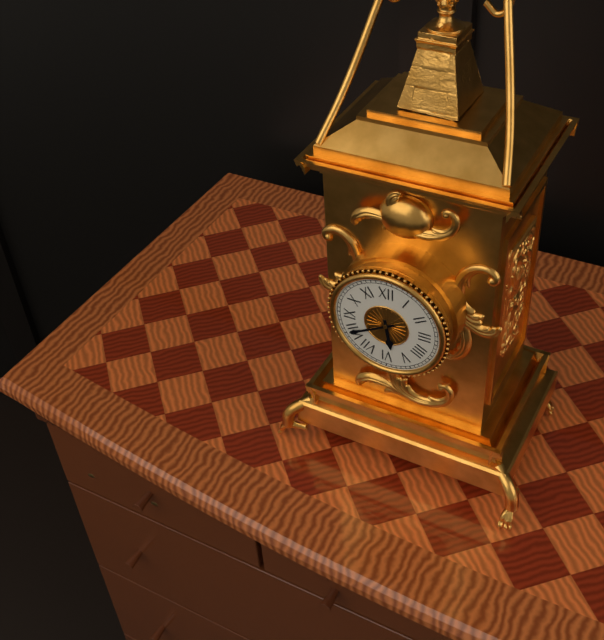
5:40
